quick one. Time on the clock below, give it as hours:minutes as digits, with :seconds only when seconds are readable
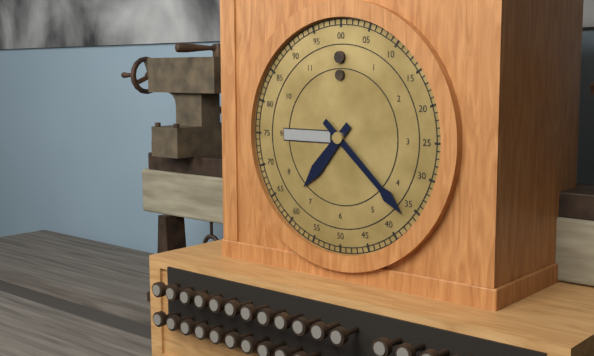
7:22
